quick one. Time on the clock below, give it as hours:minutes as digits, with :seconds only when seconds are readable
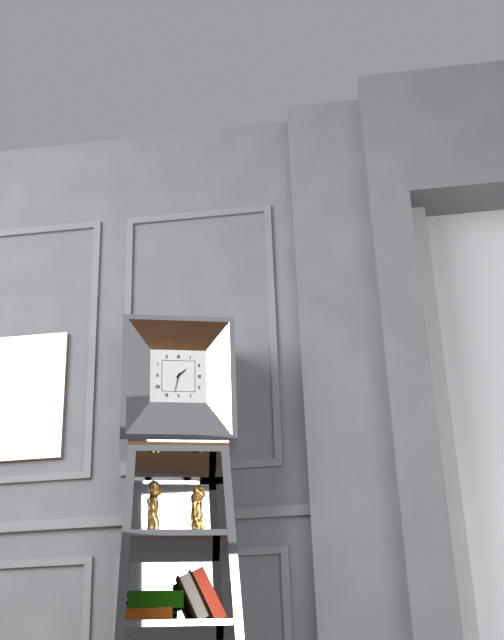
1:32
